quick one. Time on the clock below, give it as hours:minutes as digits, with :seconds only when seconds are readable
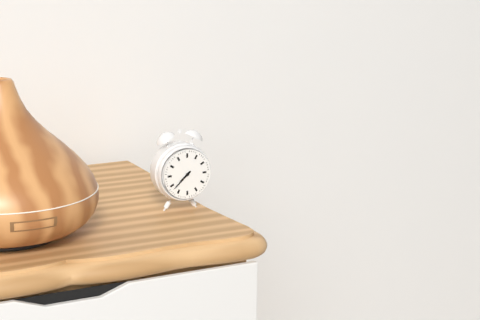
7:38
